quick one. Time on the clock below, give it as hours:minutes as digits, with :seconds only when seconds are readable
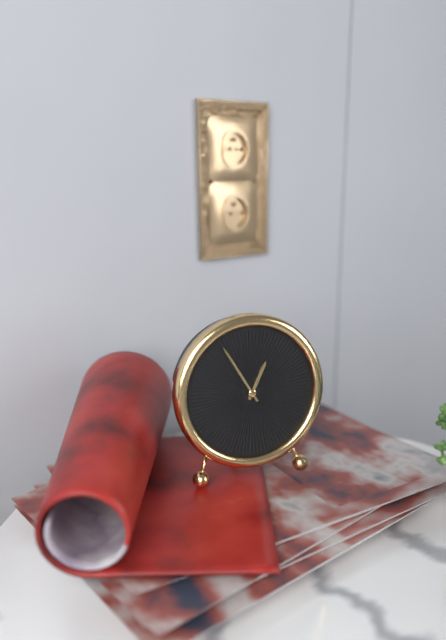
12:55
